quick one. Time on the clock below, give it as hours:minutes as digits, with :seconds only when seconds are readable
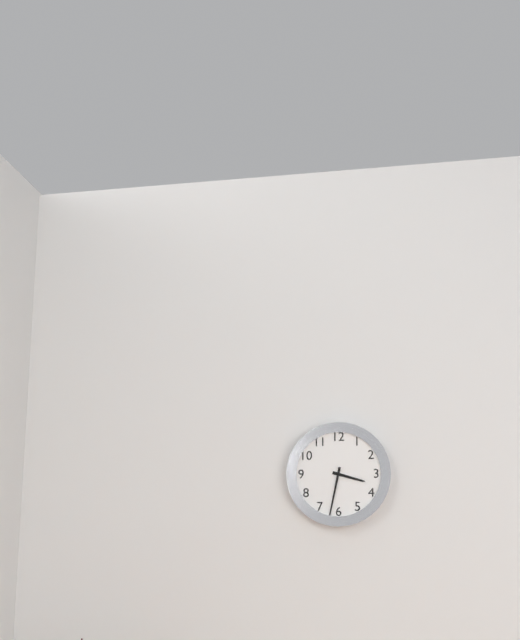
3:32
